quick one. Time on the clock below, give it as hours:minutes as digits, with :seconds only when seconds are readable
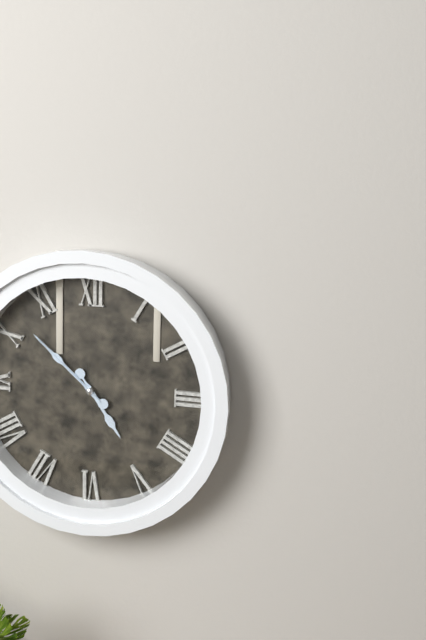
4:52:52
